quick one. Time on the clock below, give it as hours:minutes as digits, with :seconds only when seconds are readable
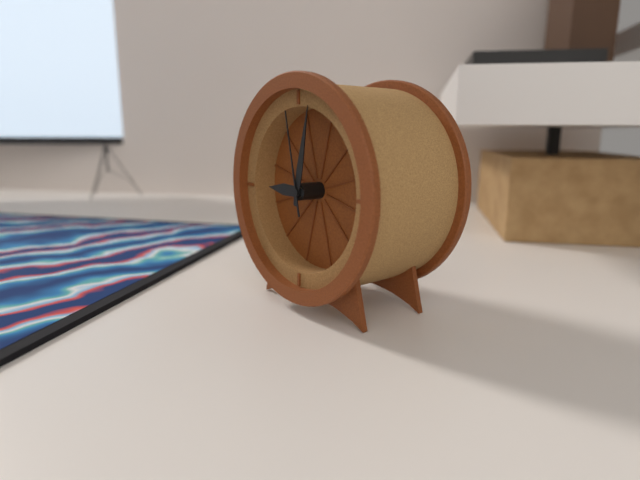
9:02:58
